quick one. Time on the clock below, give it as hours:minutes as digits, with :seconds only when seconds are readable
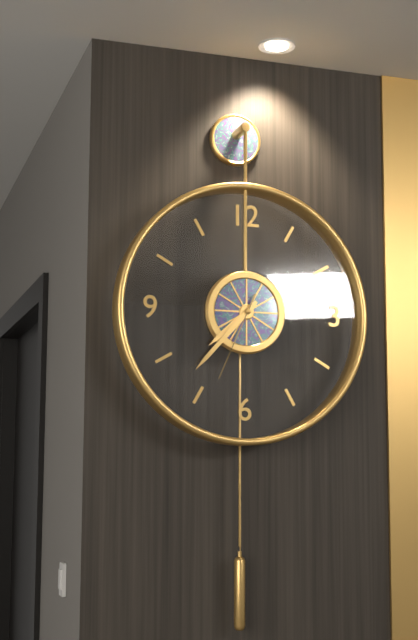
7:37:34
